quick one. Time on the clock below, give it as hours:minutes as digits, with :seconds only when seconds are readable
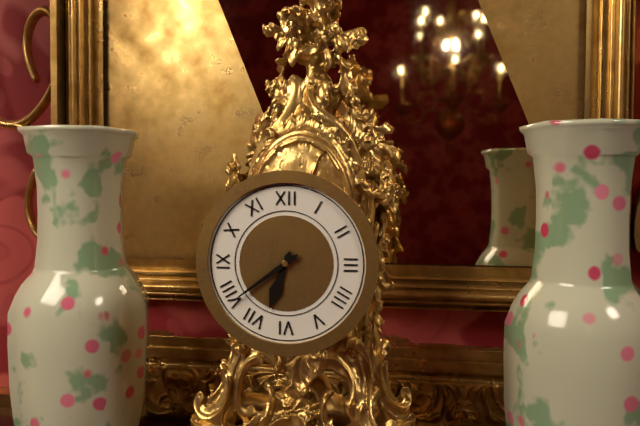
6:39
